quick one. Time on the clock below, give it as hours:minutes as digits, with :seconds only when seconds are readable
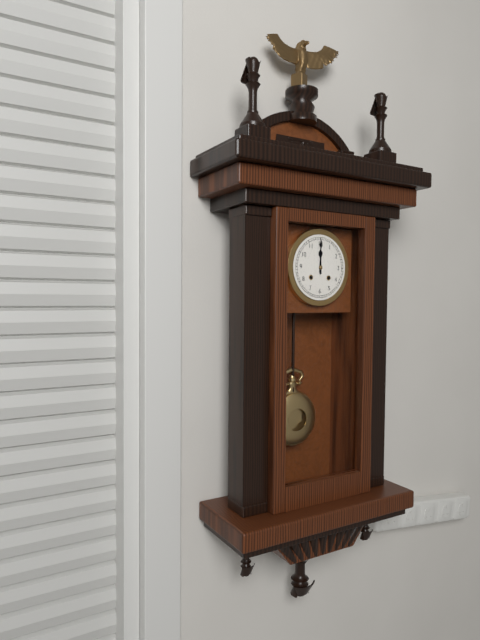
12:00
